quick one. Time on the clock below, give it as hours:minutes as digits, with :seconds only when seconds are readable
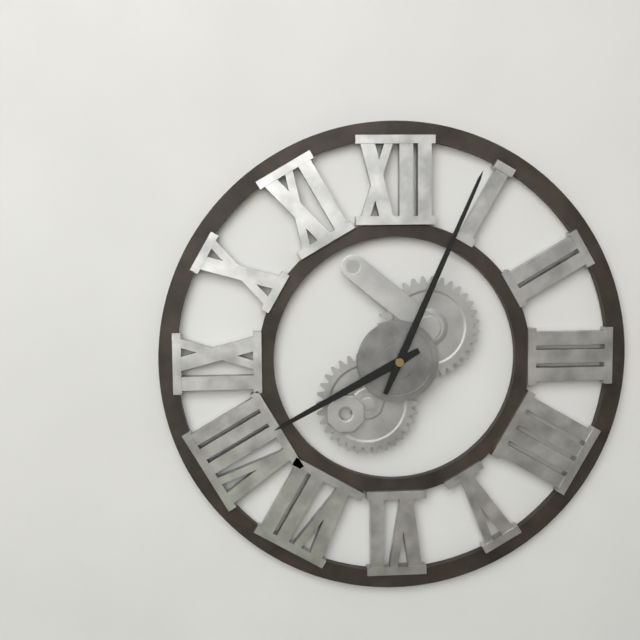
8:04
